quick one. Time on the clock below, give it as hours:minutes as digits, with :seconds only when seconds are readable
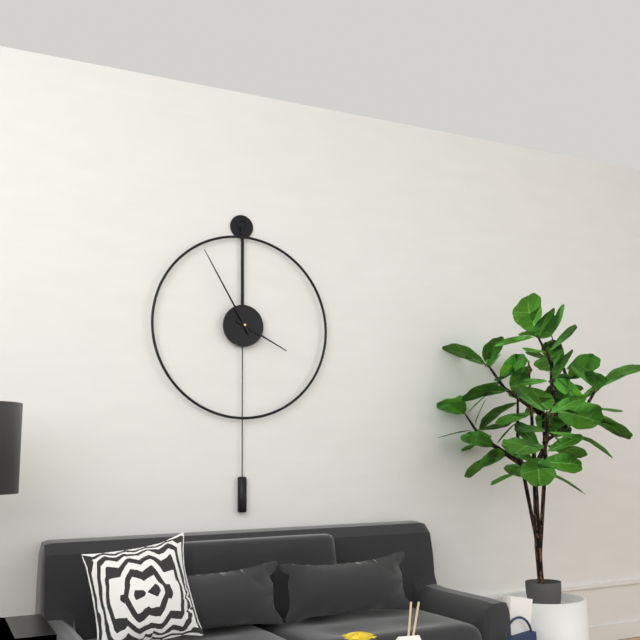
3:55
